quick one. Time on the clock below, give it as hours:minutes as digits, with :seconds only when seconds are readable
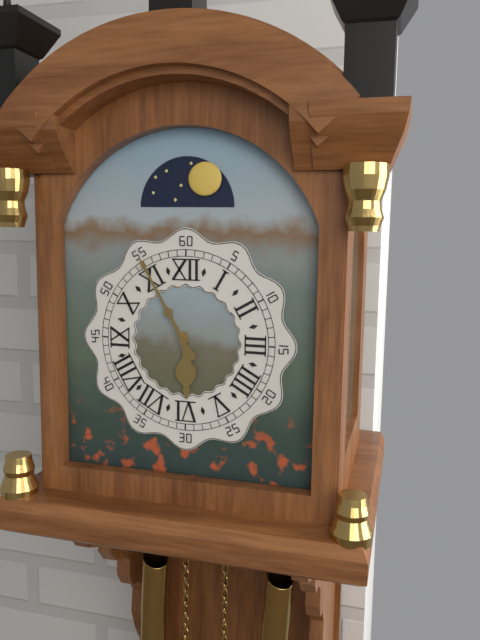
5:55
